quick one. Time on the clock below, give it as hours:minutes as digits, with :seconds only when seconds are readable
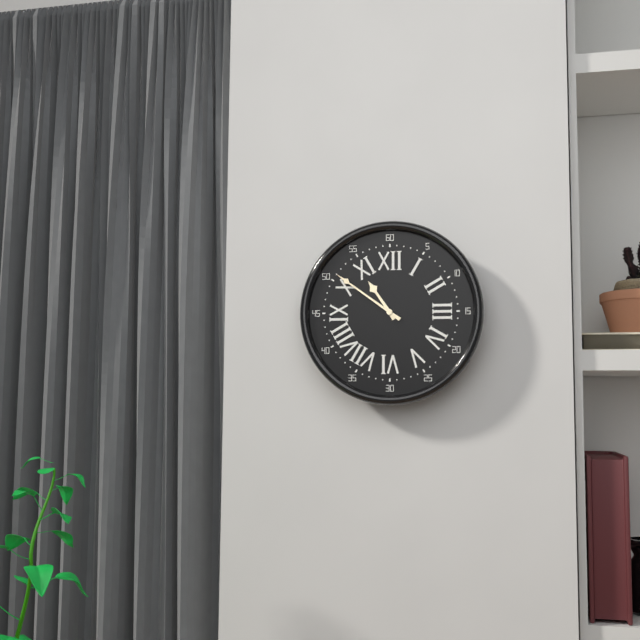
10:51
